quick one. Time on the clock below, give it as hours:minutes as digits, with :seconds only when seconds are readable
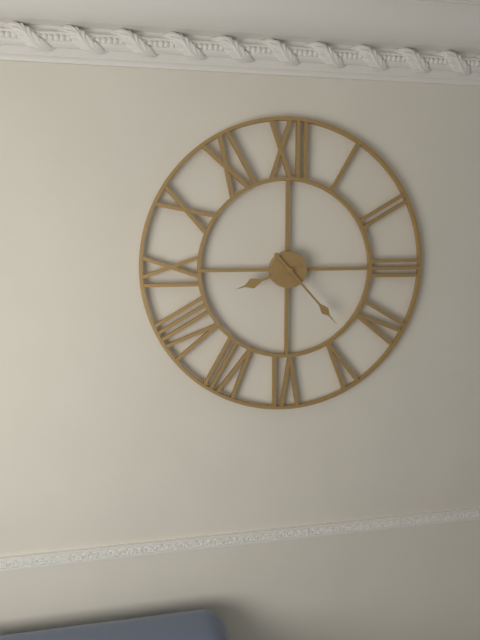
8:23
